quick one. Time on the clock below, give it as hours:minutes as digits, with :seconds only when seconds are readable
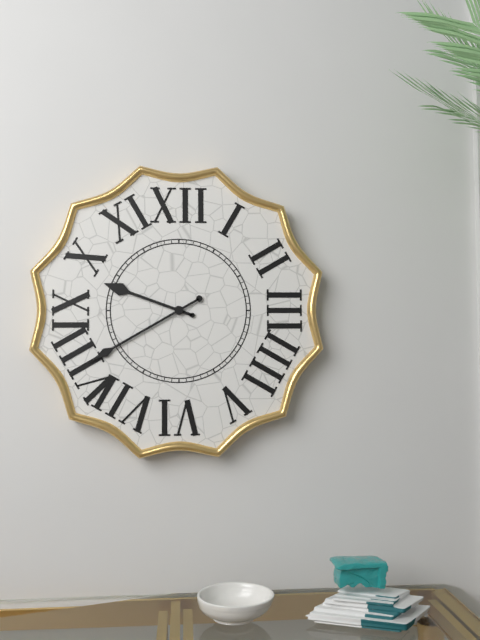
9:40
